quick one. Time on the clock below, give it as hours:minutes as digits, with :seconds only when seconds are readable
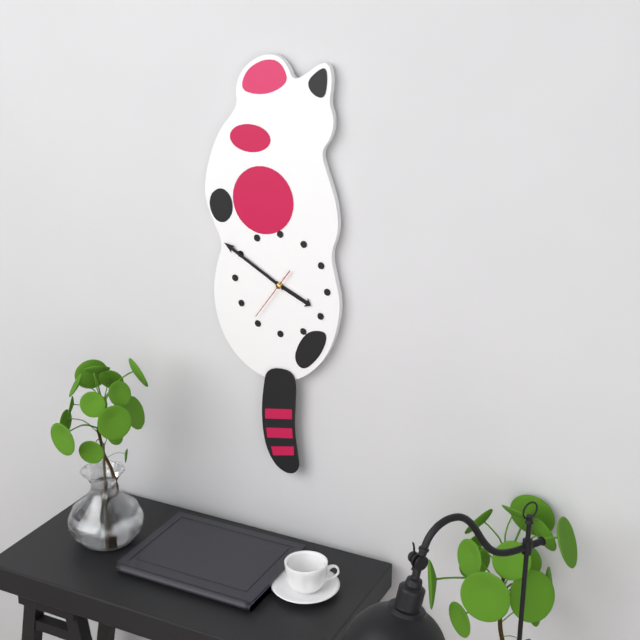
3:50:36
